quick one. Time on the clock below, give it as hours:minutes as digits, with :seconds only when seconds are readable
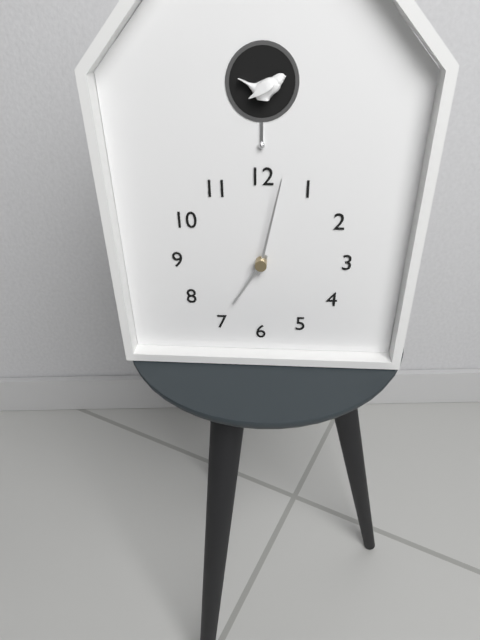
7:02
